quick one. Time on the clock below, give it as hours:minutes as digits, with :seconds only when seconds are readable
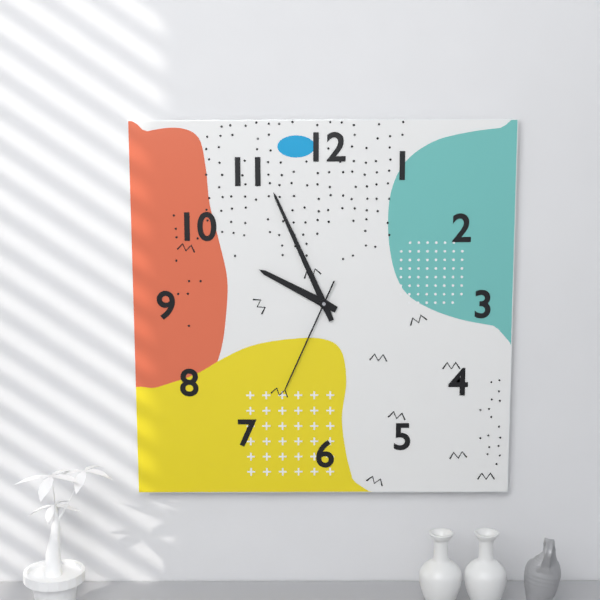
9:56:34
